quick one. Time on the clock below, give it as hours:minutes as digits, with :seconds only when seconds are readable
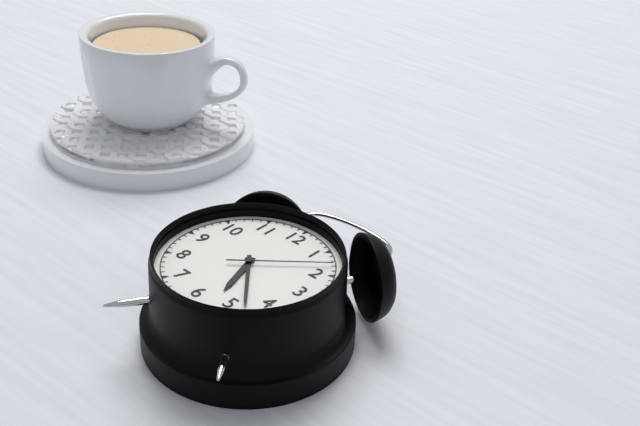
5:23:08
